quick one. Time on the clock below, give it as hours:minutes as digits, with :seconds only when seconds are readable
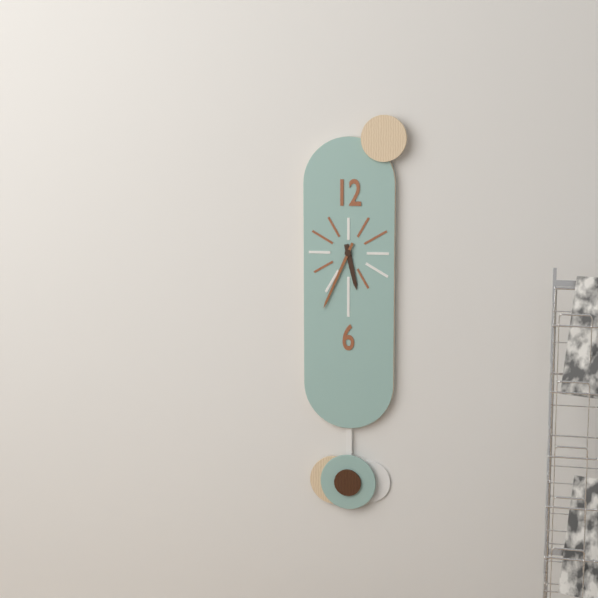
5:34
